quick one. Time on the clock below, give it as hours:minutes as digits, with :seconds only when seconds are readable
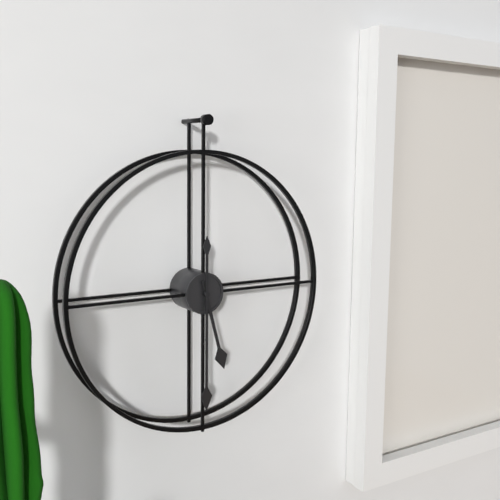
5:30
